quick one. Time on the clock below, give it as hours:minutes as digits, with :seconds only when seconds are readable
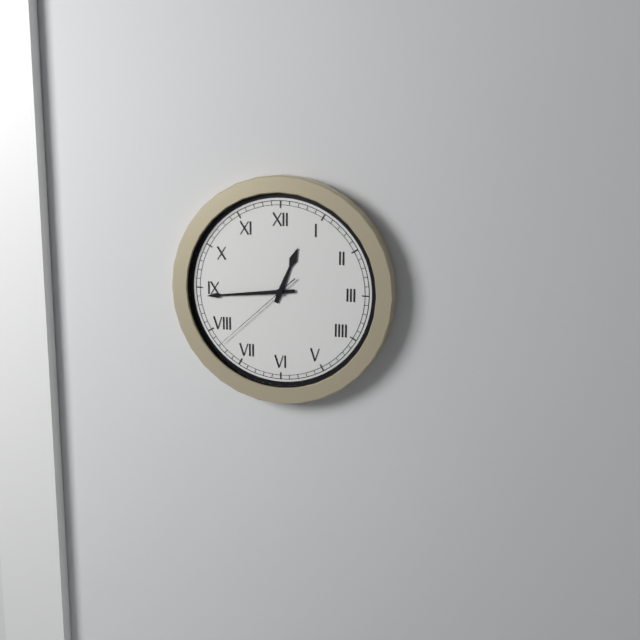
12:44:38
